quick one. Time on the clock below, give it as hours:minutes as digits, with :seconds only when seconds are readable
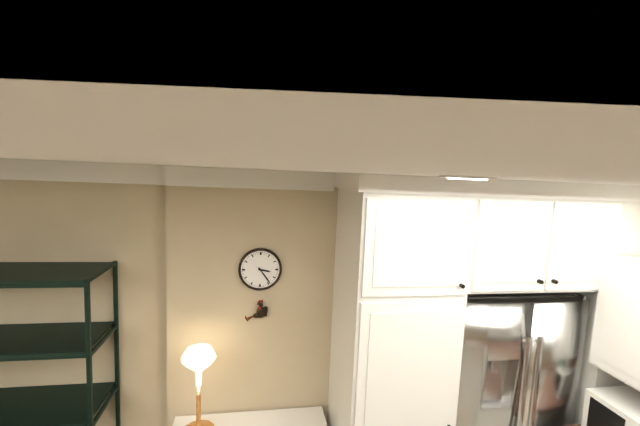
3:24
